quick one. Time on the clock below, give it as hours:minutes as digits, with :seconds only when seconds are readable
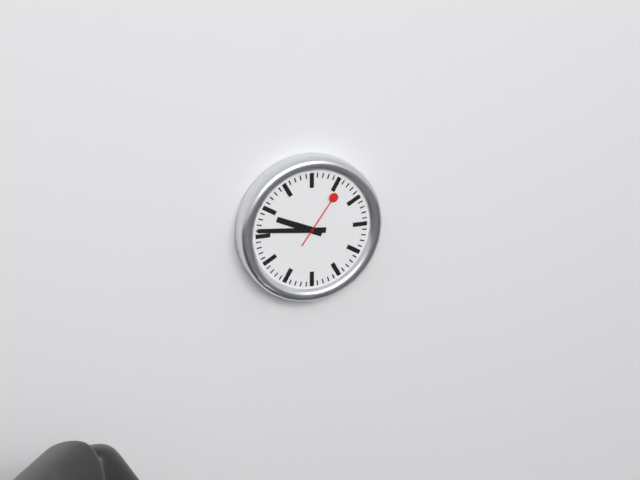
9:46:06
